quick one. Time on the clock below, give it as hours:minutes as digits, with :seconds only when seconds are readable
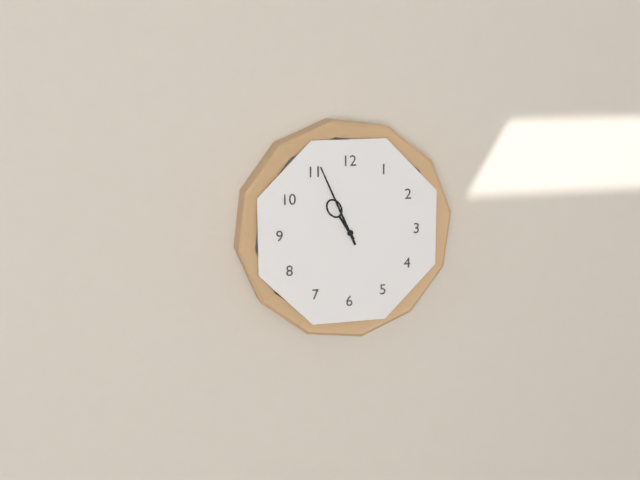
10:56
